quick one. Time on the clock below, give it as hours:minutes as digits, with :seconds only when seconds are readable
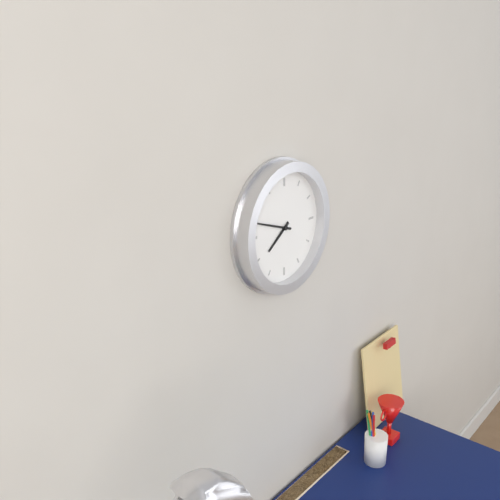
7:48
